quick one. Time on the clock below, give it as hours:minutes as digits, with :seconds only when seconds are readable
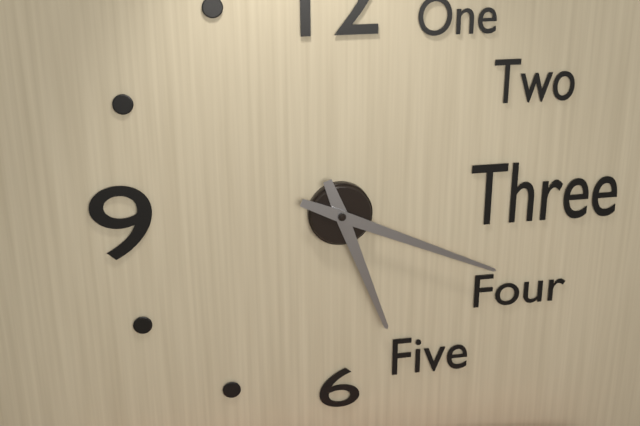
5:19
